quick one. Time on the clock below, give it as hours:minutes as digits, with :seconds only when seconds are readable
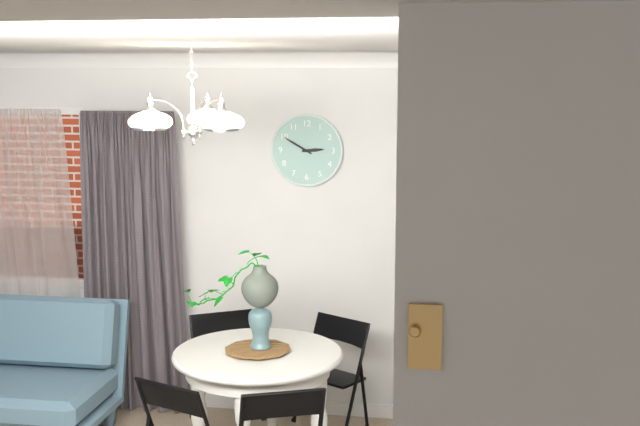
2:50
